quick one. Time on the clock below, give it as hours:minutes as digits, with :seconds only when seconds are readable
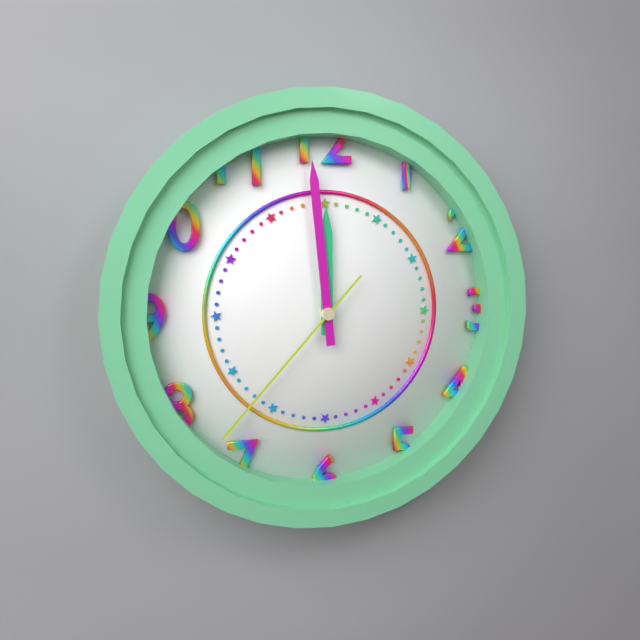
11:59:37
